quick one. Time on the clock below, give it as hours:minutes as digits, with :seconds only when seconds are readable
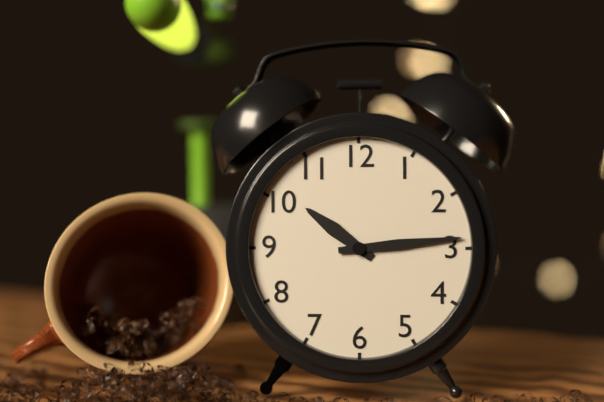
10:14
